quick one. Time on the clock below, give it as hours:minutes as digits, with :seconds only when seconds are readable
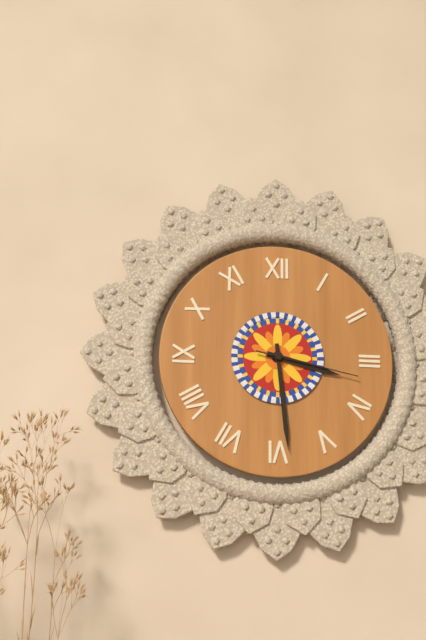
3:29:17
